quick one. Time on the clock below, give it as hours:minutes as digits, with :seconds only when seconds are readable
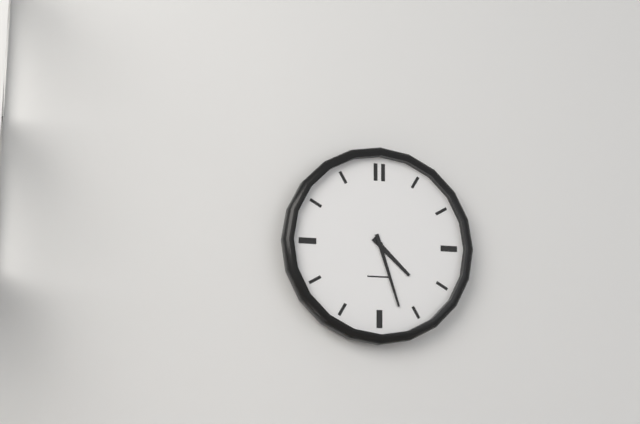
4:27
